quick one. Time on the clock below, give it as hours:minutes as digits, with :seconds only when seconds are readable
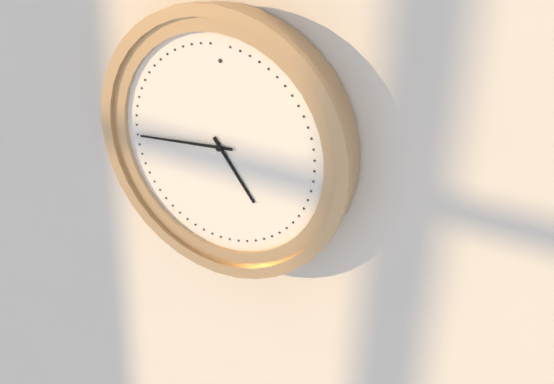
4:44
